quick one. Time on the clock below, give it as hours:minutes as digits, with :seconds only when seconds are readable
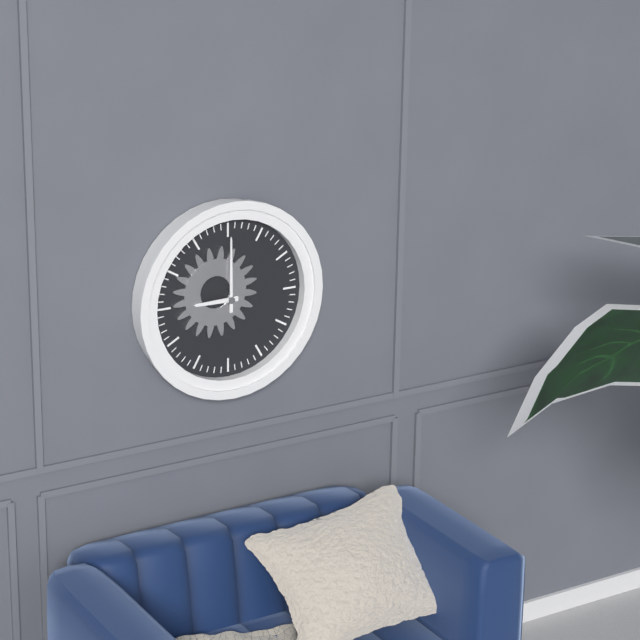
9:00
